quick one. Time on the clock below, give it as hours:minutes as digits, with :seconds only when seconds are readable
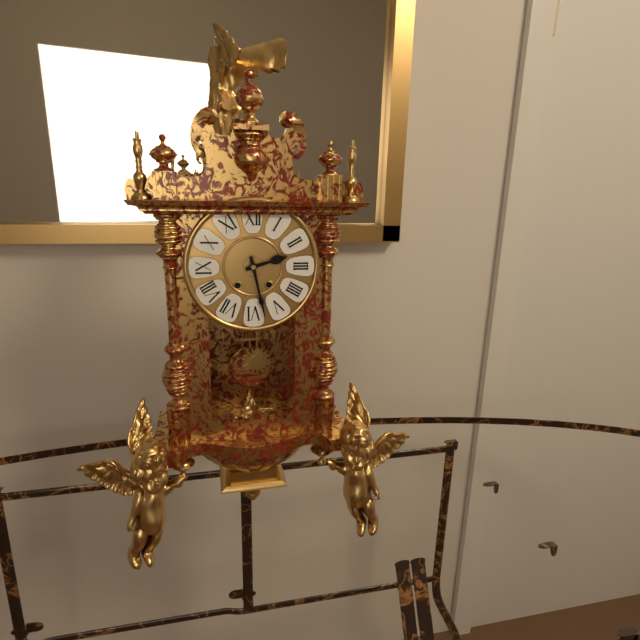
2:28
